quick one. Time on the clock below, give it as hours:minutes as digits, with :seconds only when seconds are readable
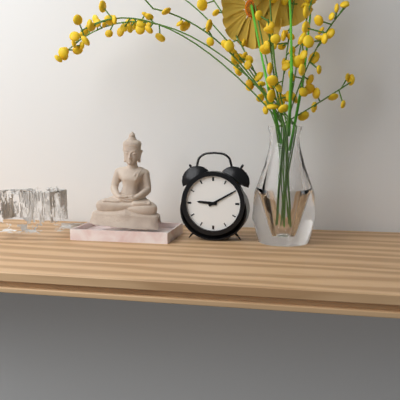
9:10
